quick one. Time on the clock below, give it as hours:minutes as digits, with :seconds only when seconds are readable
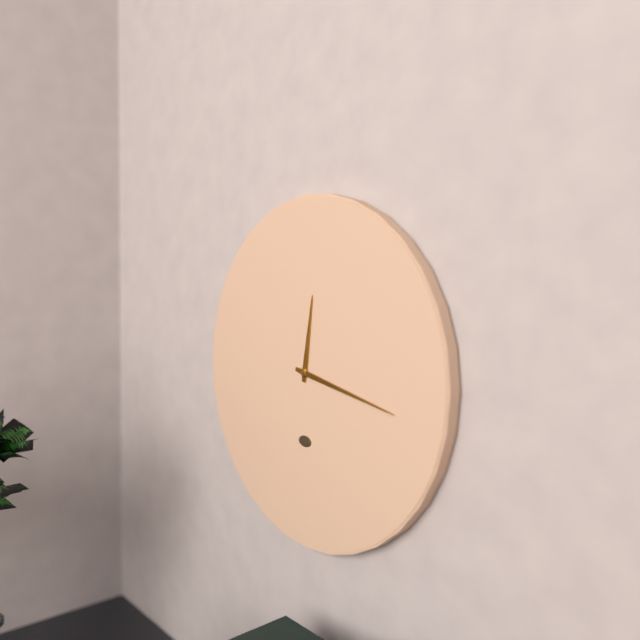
12:17
